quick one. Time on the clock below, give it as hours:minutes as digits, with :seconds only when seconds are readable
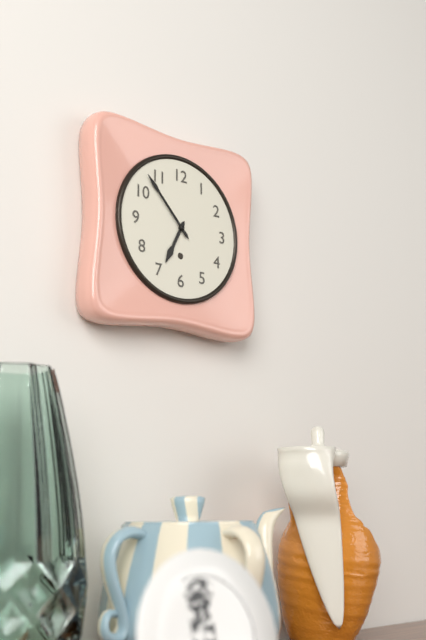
6:53
